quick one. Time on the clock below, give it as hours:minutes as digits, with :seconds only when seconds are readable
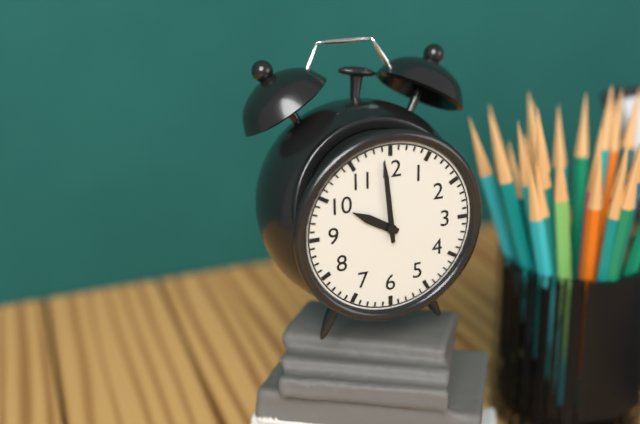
9:59
